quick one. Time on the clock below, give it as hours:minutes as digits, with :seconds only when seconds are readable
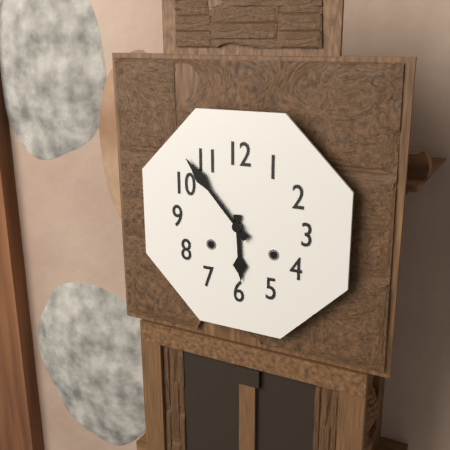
5:53
